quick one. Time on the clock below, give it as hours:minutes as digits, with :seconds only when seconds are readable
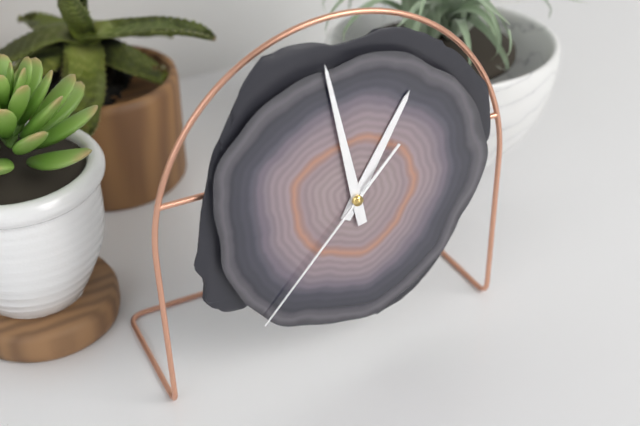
12:58:37
